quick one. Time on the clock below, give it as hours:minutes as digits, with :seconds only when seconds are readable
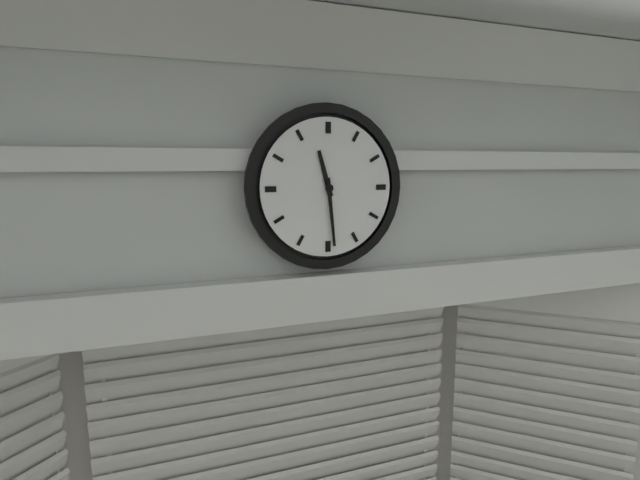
11:29
